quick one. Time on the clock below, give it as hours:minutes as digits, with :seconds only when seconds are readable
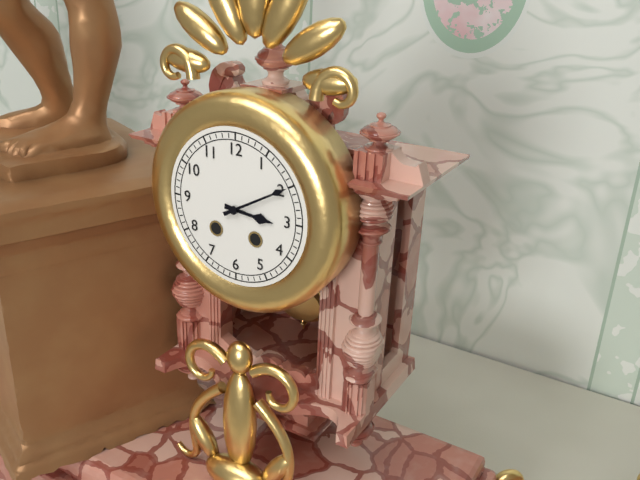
3:10
